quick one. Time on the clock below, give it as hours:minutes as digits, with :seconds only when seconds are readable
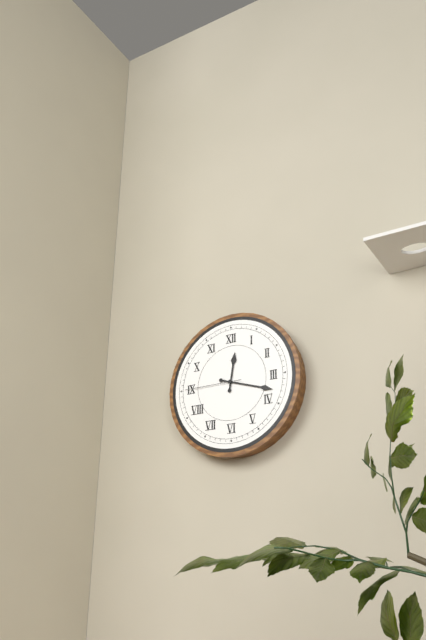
12:18:45
